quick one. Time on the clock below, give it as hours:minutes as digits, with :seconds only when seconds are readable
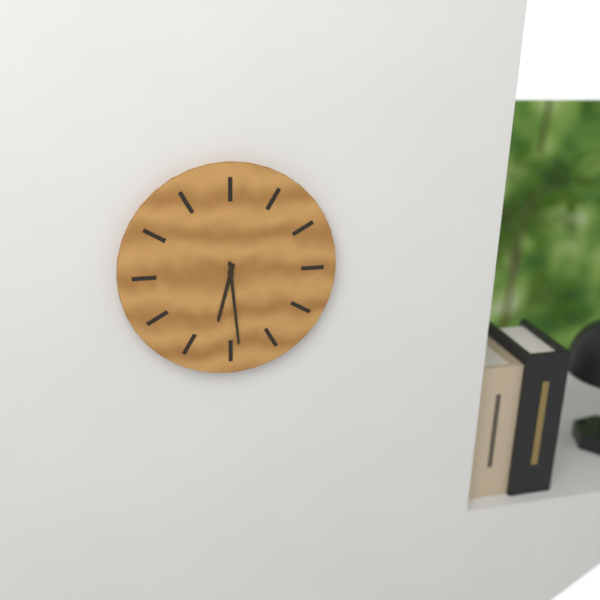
6:29
